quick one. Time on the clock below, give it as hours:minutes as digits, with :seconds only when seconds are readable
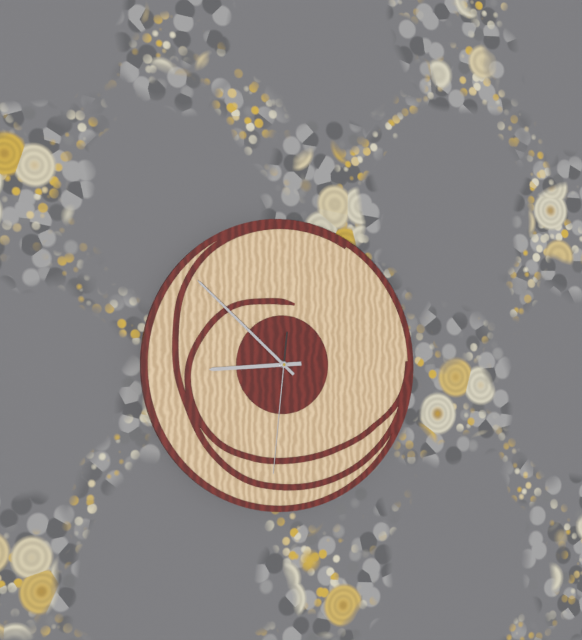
8:52:31
